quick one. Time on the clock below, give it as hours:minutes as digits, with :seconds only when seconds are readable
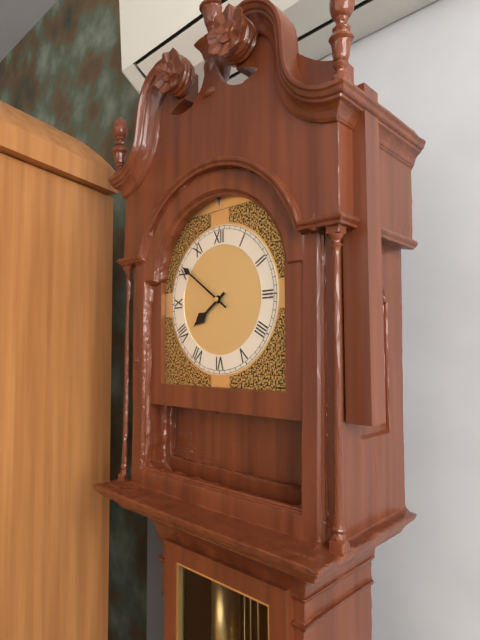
7:51
